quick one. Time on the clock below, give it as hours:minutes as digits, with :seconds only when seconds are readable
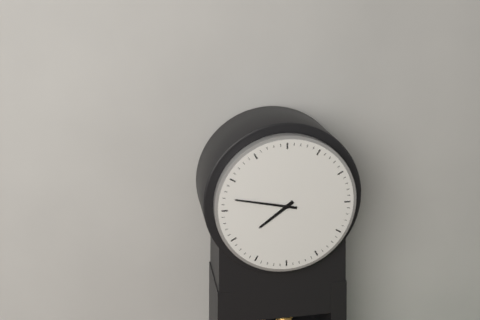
7:47
